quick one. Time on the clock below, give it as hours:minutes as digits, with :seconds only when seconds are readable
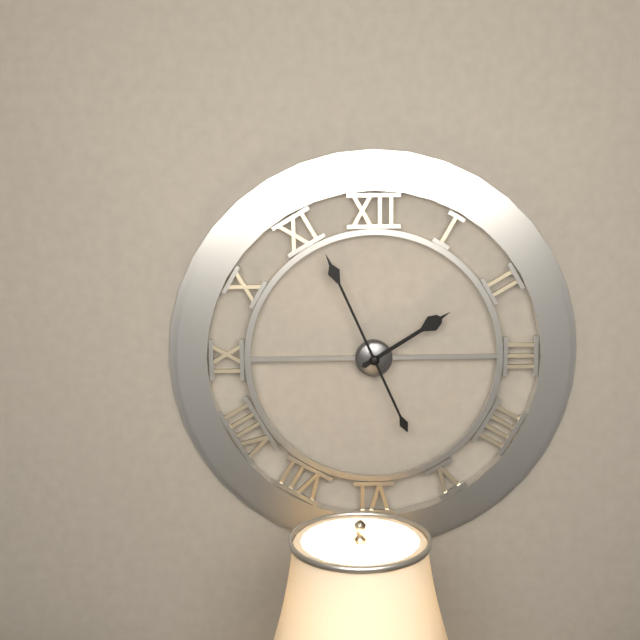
1:56
